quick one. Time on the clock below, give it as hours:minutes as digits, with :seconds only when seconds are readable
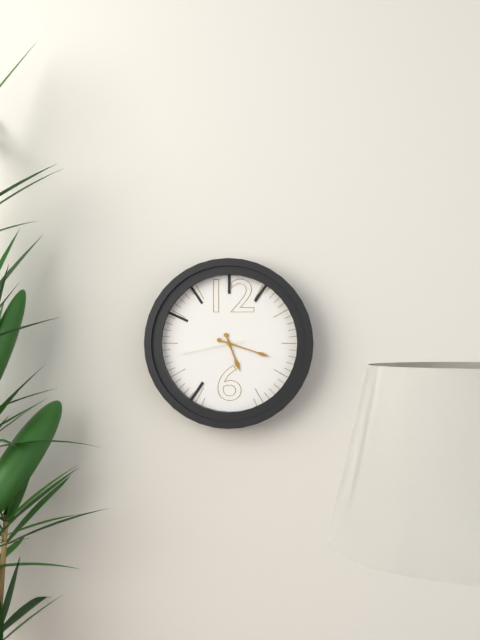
5:18:43
